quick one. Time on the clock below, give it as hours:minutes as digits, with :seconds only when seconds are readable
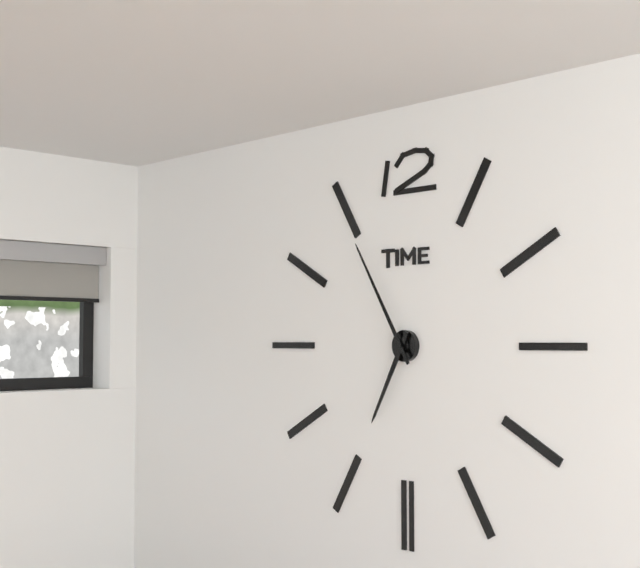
6:55
